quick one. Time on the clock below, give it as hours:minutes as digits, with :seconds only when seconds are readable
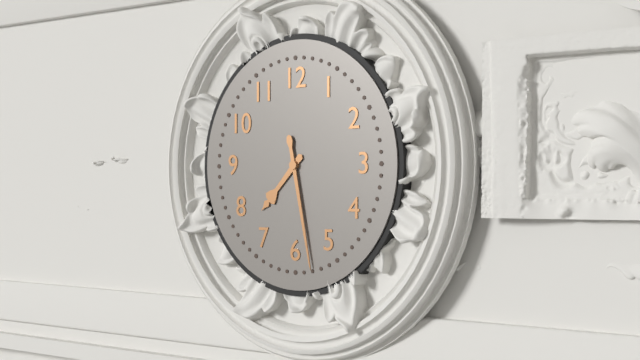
7:28
